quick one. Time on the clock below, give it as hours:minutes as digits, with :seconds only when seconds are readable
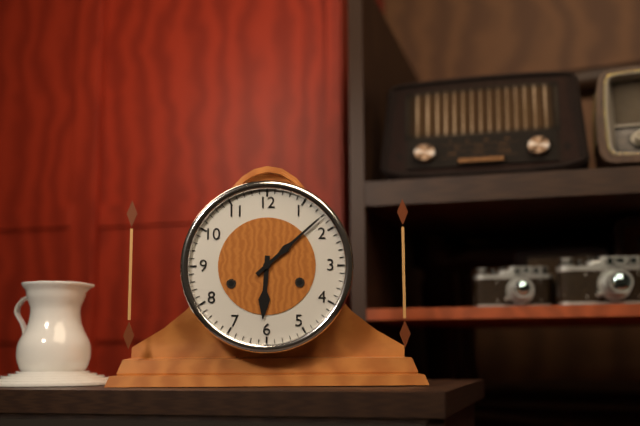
6:08
